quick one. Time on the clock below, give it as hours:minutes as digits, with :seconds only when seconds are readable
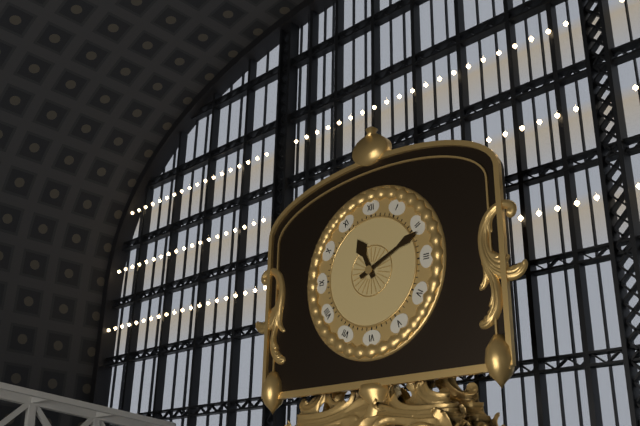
11:11
